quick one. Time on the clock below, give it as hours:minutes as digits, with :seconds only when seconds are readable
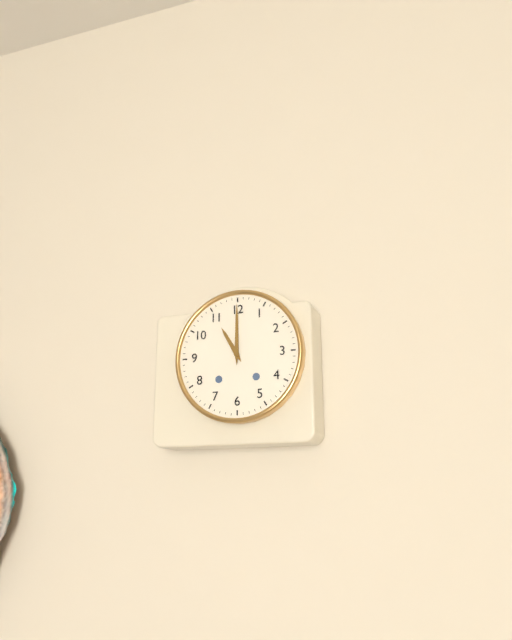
11:00
